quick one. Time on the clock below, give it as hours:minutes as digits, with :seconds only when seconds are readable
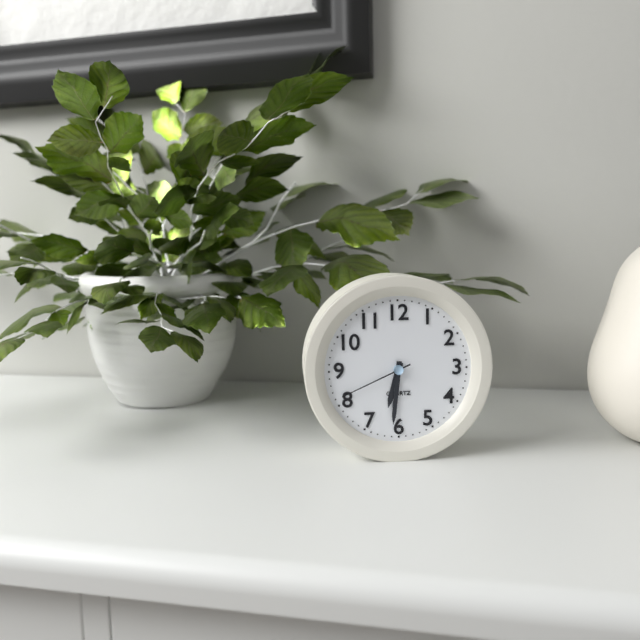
6:31:41
